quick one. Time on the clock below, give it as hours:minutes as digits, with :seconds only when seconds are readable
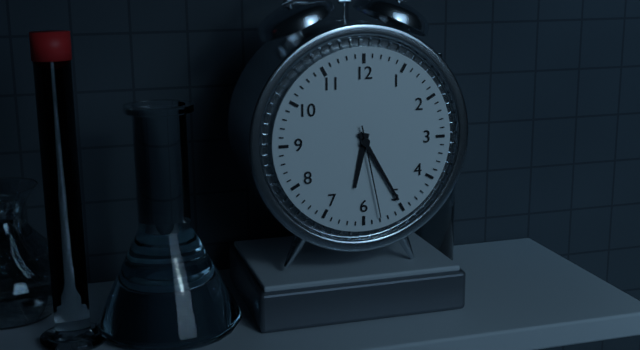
6:25:28
